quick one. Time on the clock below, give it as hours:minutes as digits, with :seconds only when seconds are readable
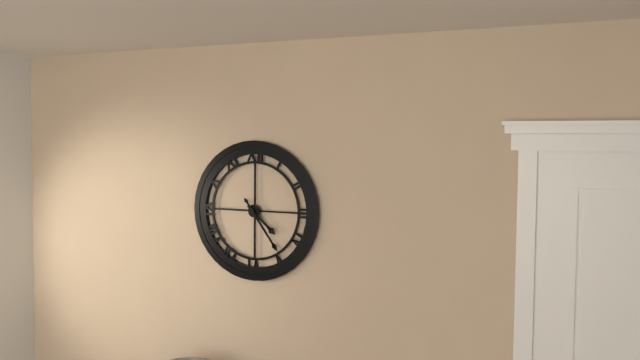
4:24
